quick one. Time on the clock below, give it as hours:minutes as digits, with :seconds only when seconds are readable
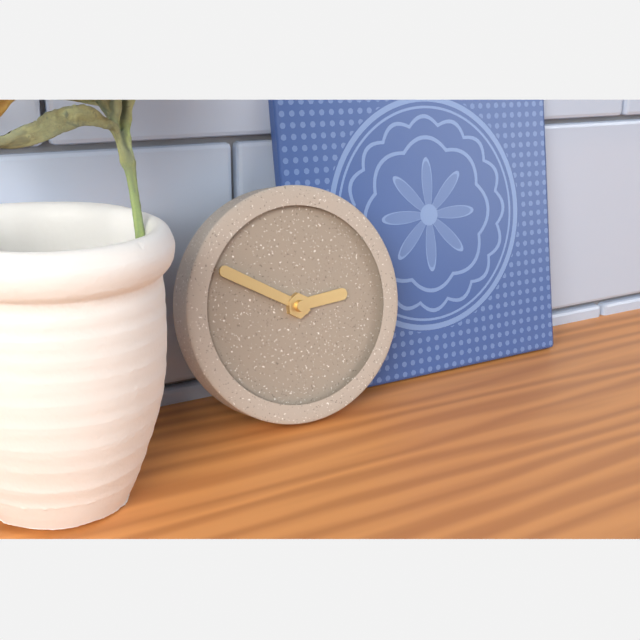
2:50
